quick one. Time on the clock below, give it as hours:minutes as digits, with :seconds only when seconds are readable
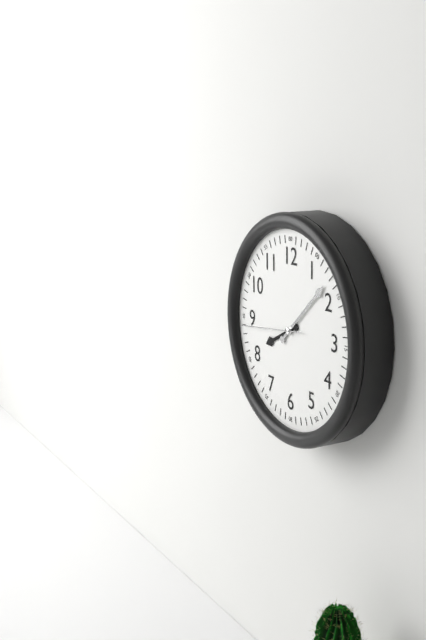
8:08:44
